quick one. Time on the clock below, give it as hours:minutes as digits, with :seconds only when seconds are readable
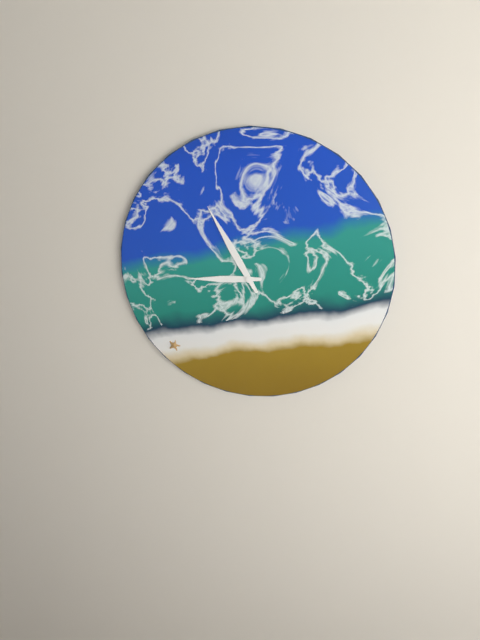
8:55
